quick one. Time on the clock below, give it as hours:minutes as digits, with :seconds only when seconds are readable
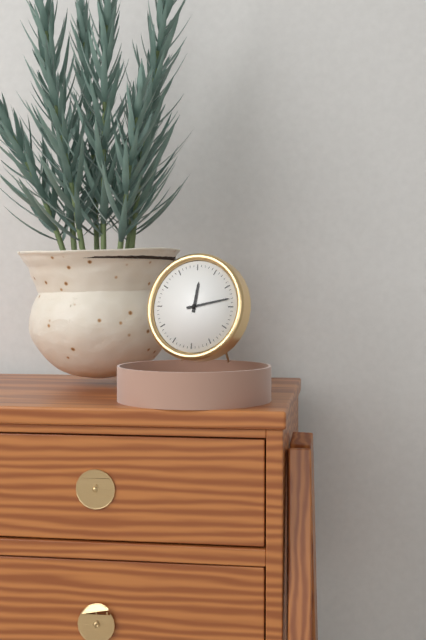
12:13
